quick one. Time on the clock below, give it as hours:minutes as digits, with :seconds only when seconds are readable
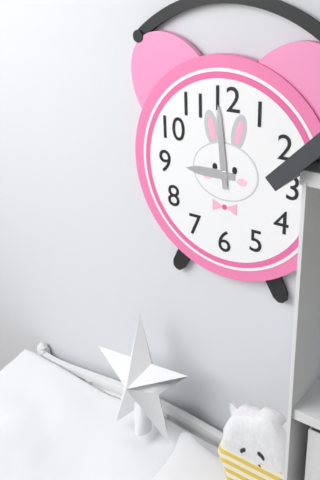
8:59
